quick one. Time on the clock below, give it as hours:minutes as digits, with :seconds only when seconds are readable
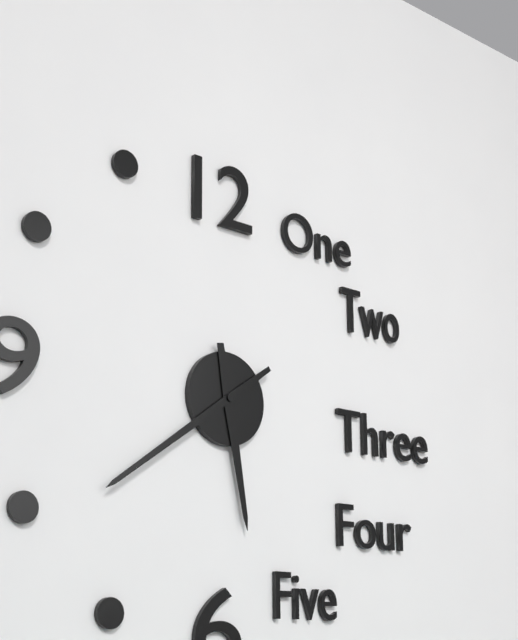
5:39
